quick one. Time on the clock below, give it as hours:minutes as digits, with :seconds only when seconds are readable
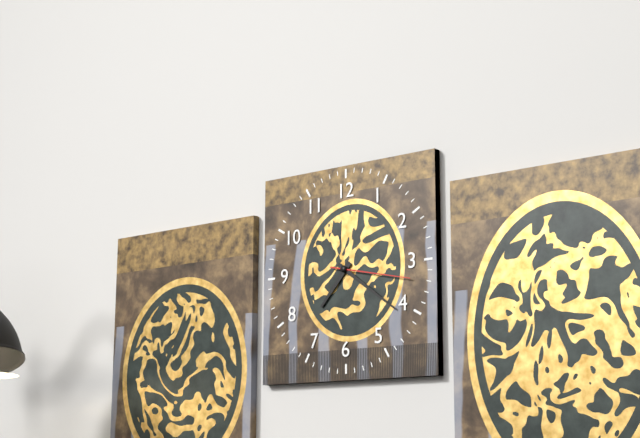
7:21:17
